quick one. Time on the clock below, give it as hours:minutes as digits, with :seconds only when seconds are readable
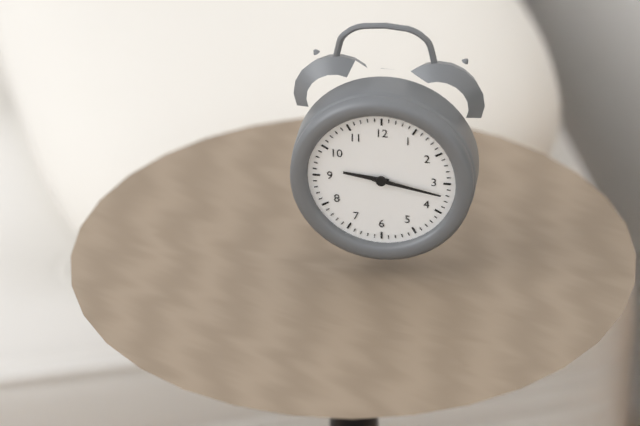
9:17
